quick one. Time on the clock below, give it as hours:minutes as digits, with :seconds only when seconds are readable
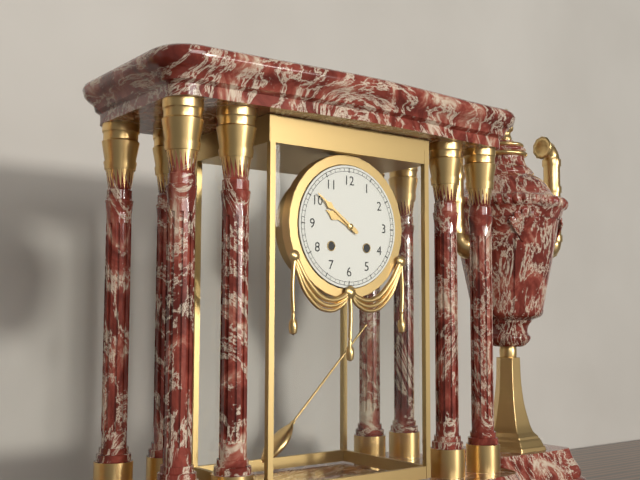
9:51
